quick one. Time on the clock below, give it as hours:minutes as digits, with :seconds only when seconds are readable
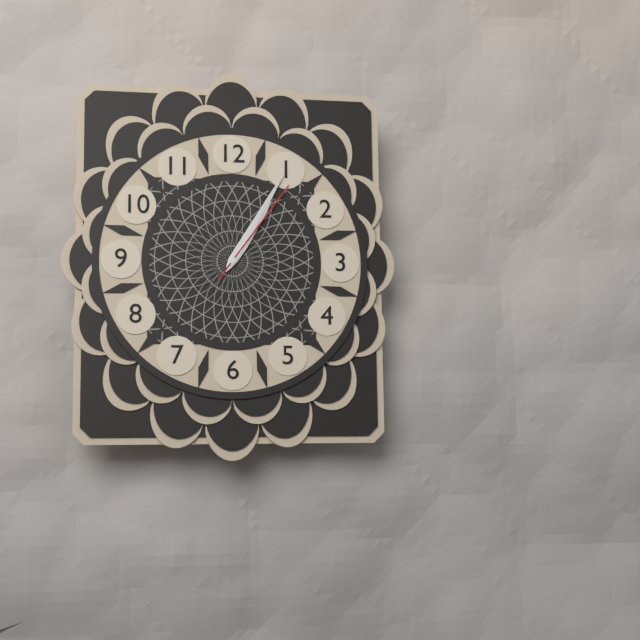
1:05:06
